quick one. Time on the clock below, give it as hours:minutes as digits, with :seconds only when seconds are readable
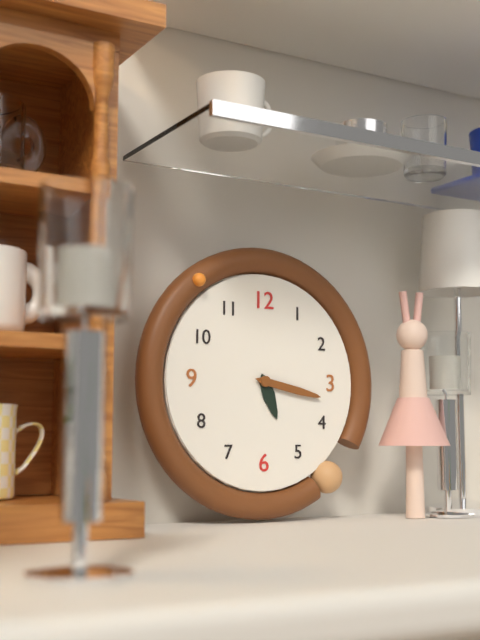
5:17
